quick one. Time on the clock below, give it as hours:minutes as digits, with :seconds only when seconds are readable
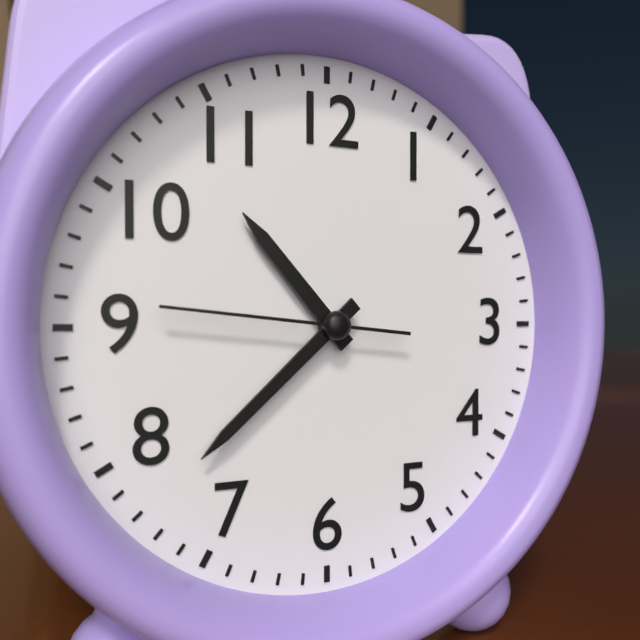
10:38:46
